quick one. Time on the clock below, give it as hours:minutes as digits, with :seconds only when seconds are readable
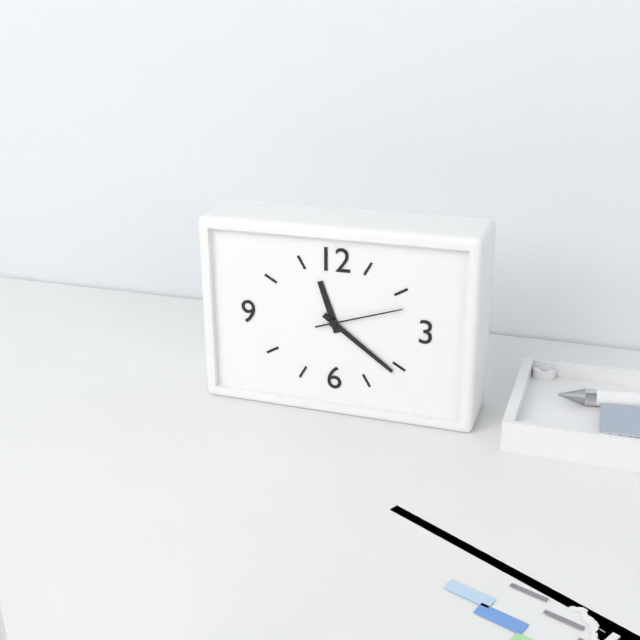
11:21:12
